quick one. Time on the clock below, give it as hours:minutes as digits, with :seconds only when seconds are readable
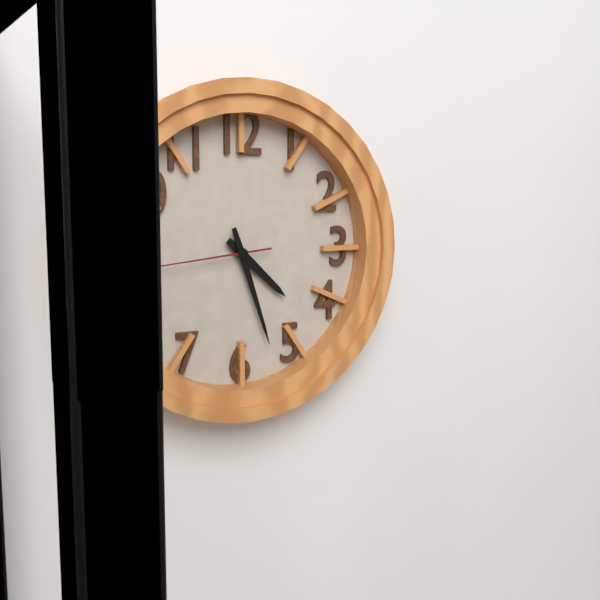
4:27:44
